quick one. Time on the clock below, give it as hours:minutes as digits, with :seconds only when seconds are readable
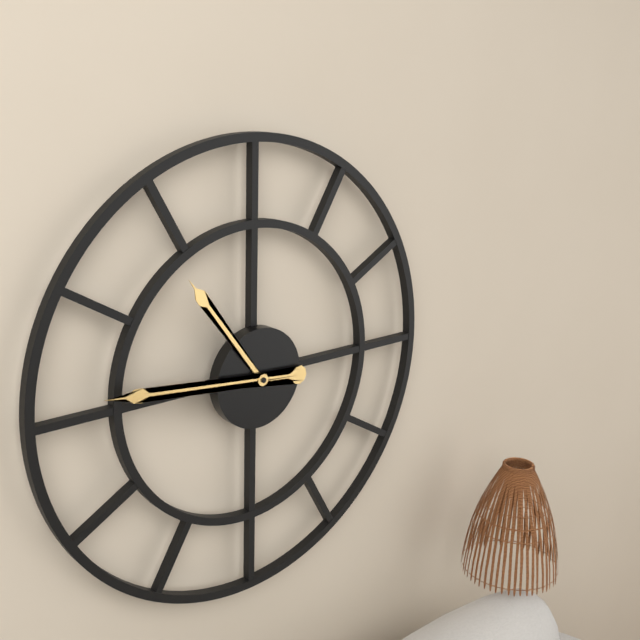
10:46
